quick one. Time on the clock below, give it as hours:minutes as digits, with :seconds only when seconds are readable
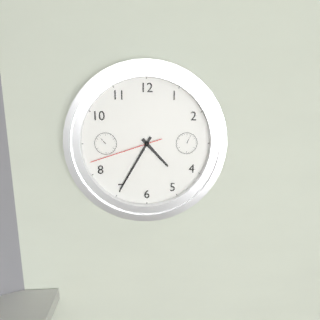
4:35:42
